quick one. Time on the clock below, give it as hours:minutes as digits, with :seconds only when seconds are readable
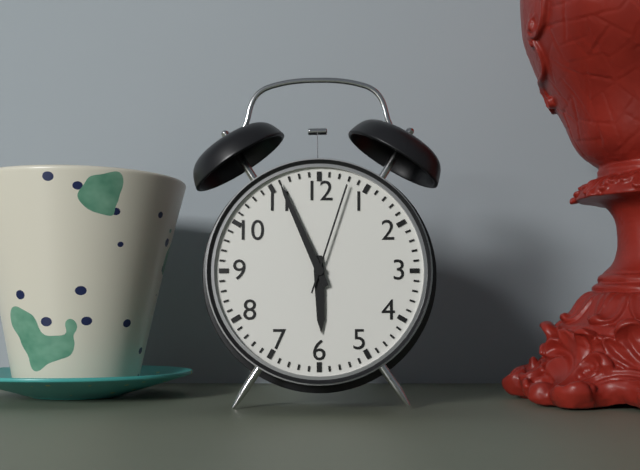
5:56:03
